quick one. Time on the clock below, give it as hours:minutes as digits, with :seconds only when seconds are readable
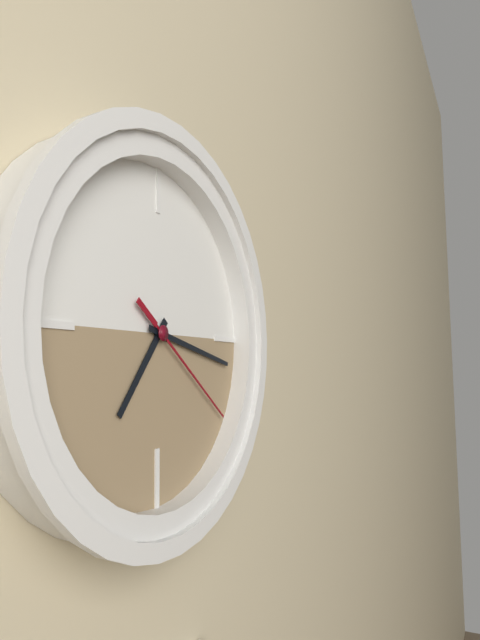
7:17:21
